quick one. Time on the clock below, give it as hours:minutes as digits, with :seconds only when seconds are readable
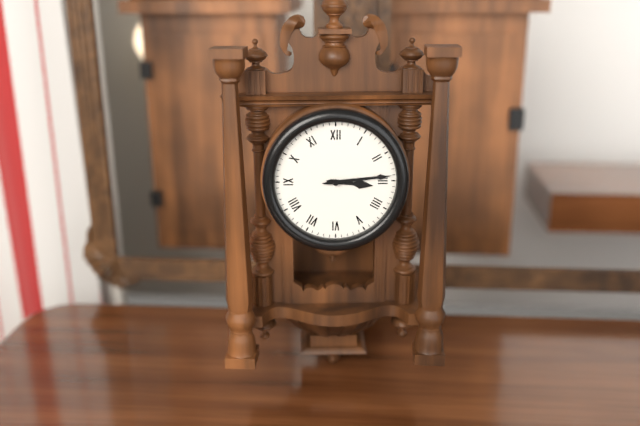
3:14
